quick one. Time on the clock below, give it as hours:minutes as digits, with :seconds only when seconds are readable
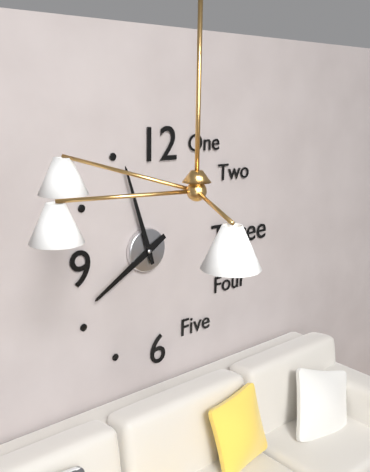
7:57
